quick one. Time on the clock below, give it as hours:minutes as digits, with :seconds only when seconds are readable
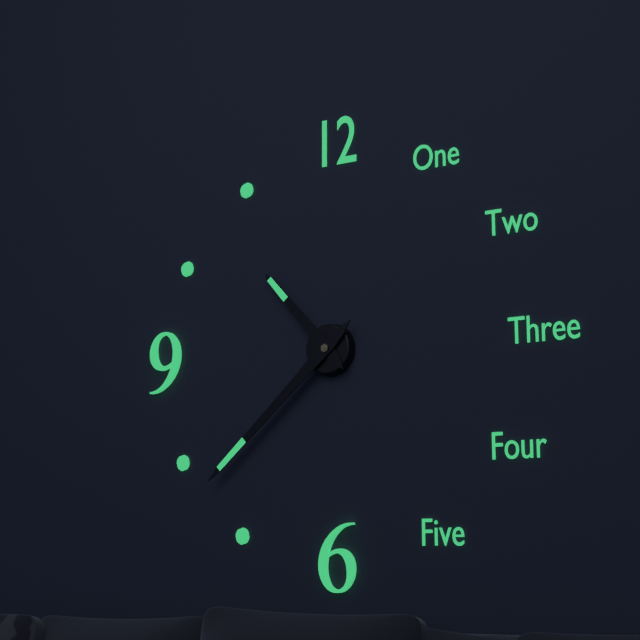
10:38
